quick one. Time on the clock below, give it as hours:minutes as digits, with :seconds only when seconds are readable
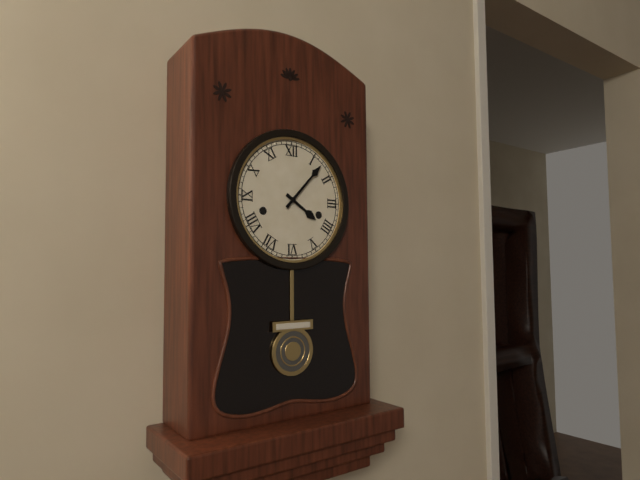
4:07
